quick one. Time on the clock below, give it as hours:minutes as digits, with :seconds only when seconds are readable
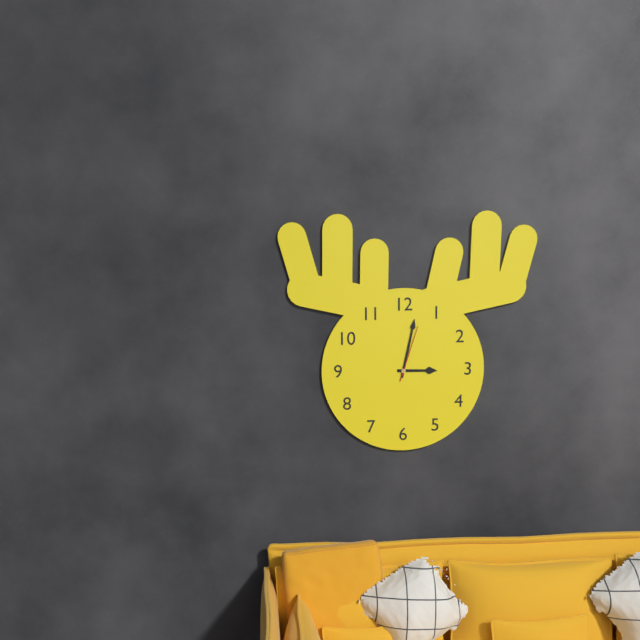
3:02:03
